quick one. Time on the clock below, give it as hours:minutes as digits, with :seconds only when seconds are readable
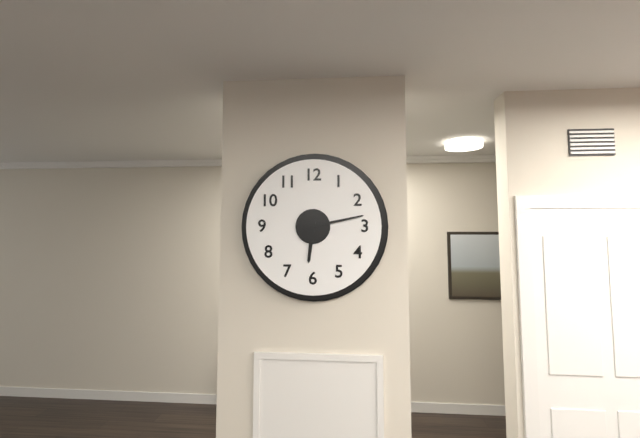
6:13
